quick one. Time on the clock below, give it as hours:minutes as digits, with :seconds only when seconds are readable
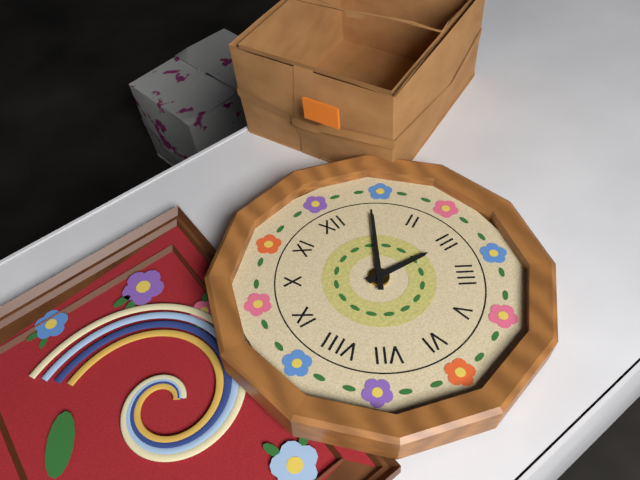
3:05
